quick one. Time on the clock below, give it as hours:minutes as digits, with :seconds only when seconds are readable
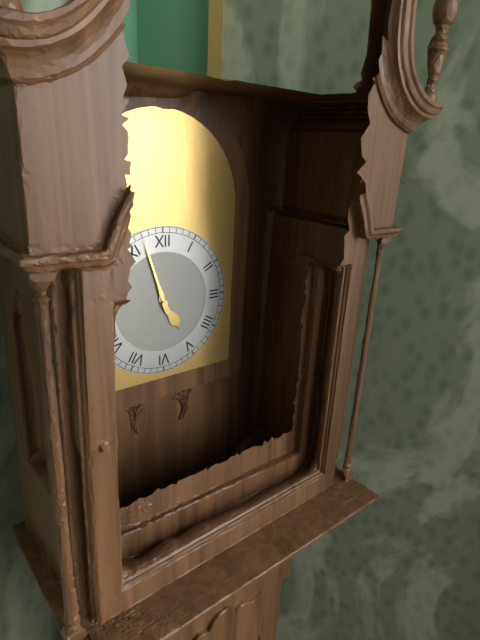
4:57
